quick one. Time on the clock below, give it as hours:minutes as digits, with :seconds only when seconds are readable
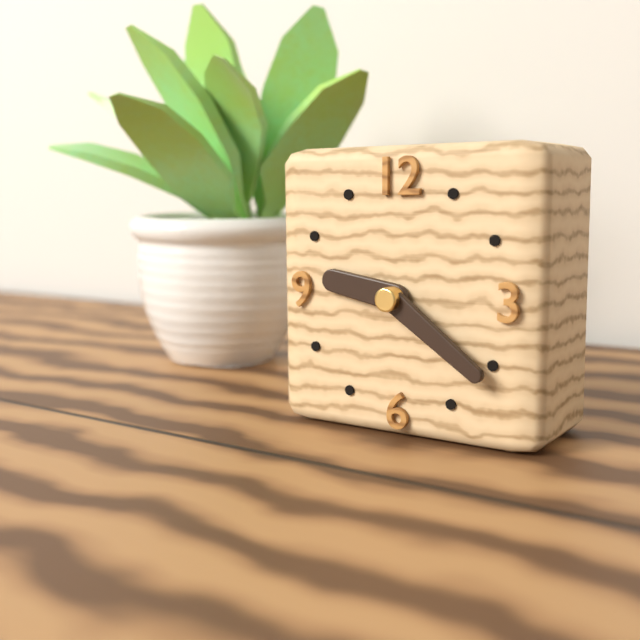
9:21
